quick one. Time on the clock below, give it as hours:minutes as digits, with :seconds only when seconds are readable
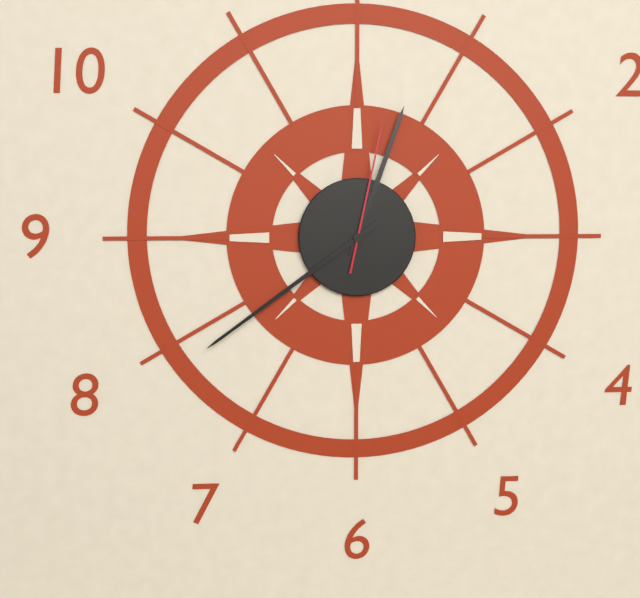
12:39:02
